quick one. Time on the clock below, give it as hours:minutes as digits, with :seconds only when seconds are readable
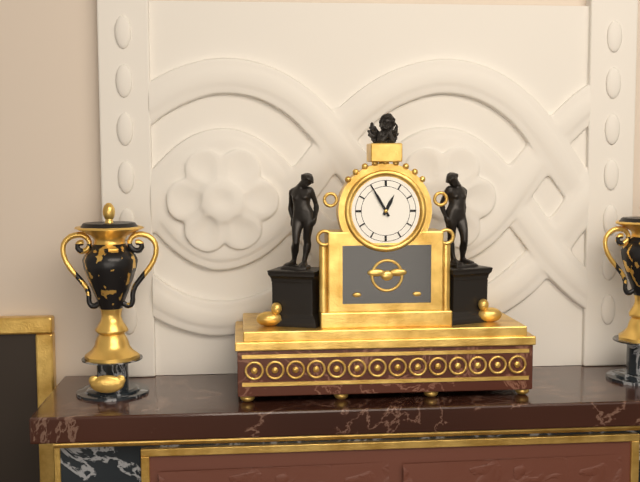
12:55
